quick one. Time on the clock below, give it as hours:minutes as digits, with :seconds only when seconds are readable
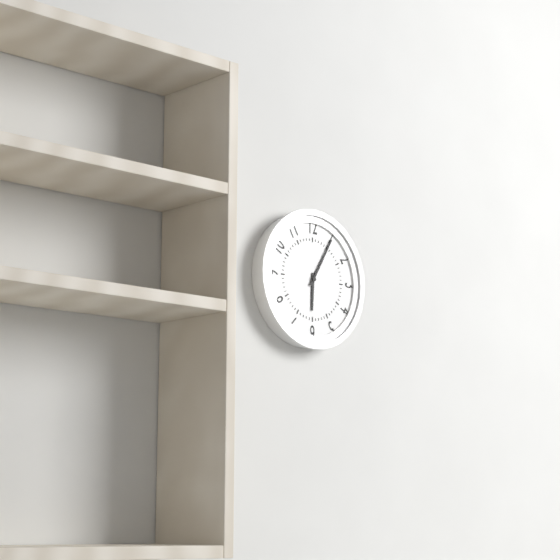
6:05
